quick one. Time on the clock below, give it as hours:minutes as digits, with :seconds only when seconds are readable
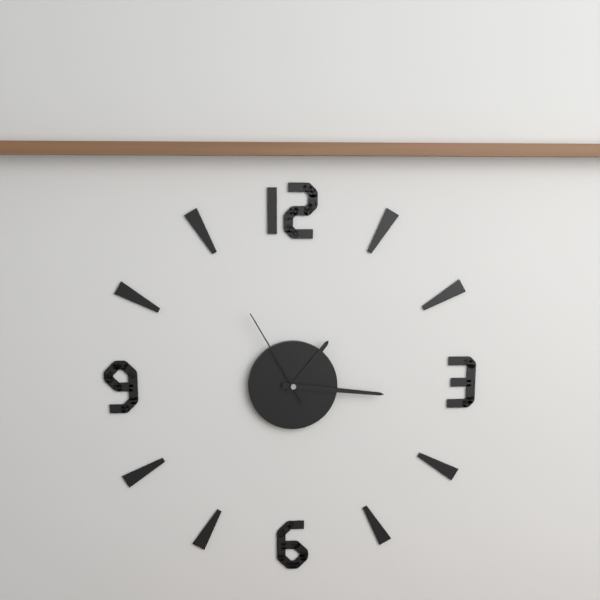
1:16:55
